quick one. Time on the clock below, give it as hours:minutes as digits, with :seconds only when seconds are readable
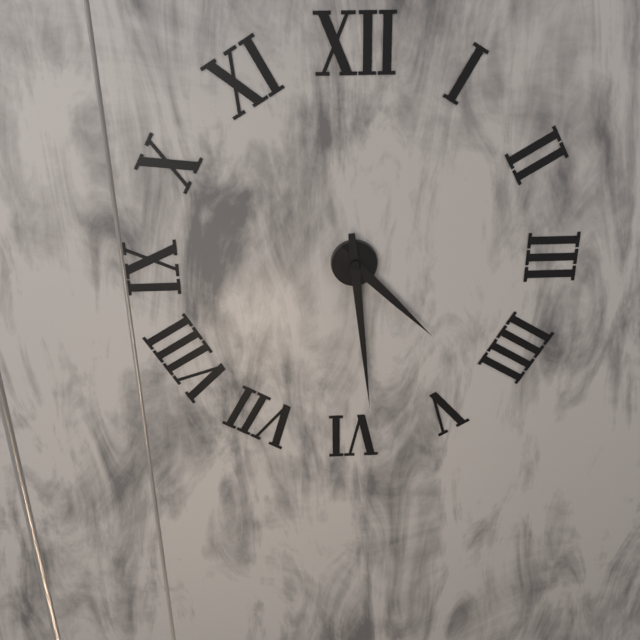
4:29
